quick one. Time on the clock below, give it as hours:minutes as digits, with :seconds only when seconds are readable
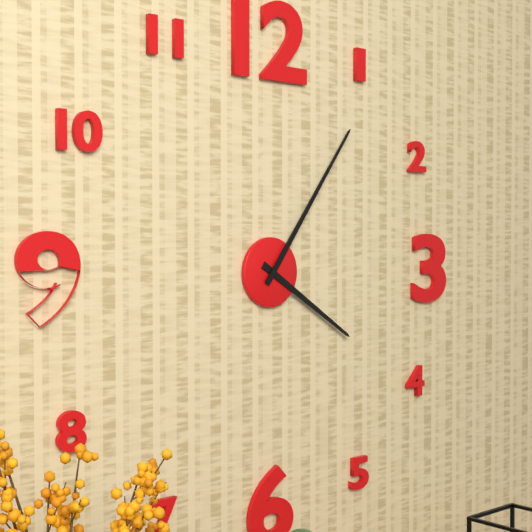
4:06
